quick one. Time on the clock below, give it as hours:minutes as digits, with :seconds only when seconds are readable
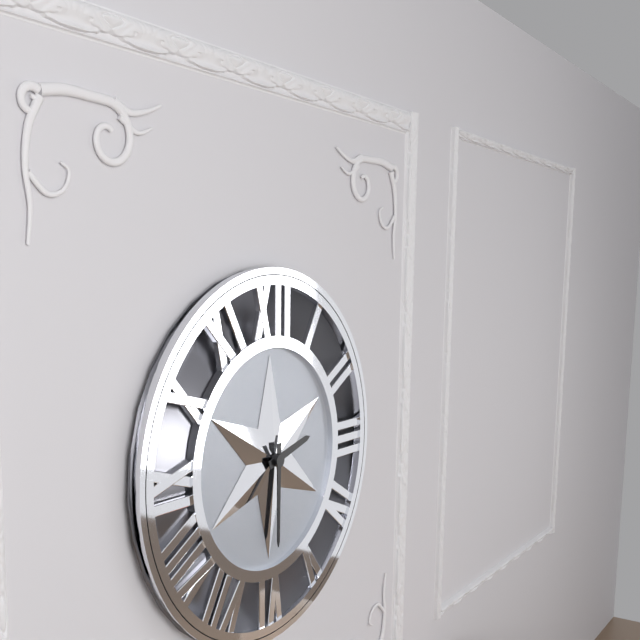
2:30
